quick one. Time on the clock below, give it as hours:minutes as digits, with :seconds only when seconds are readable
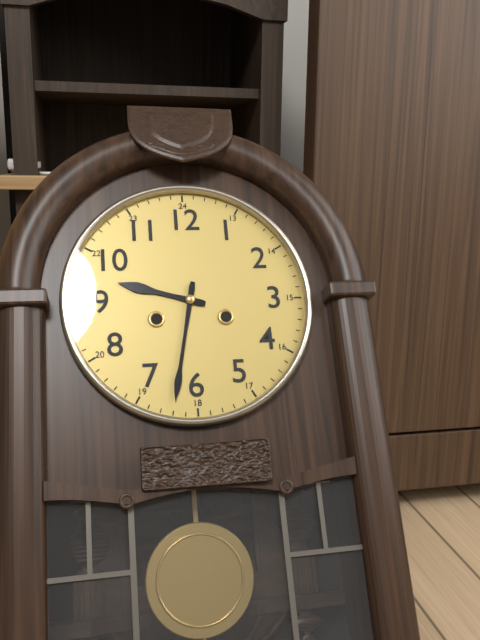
9:32
